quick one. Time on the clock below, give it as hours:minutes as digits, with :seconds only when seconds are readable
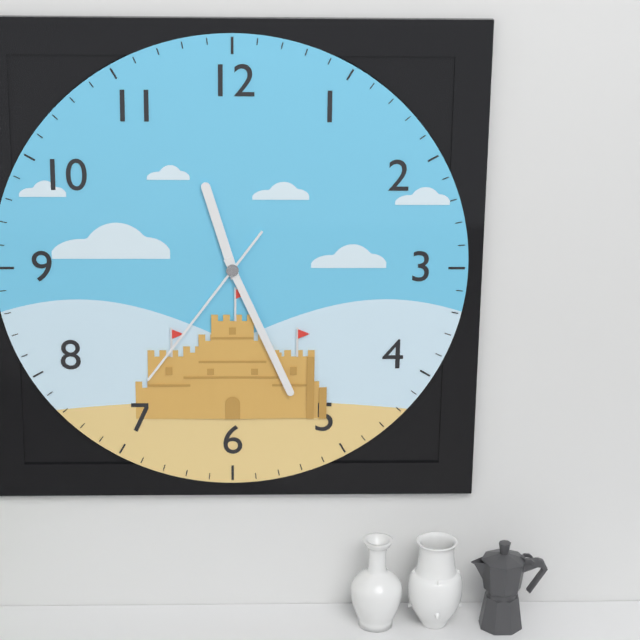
11:26:36
